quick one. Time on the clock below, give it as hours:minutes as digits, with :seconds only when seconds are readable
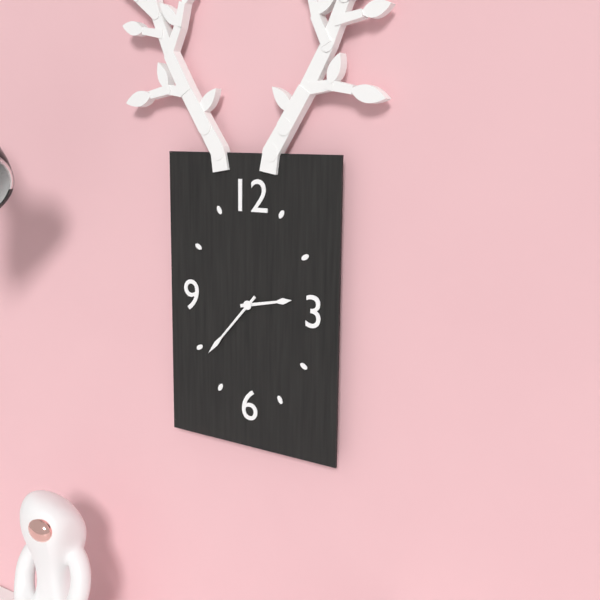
2:37
